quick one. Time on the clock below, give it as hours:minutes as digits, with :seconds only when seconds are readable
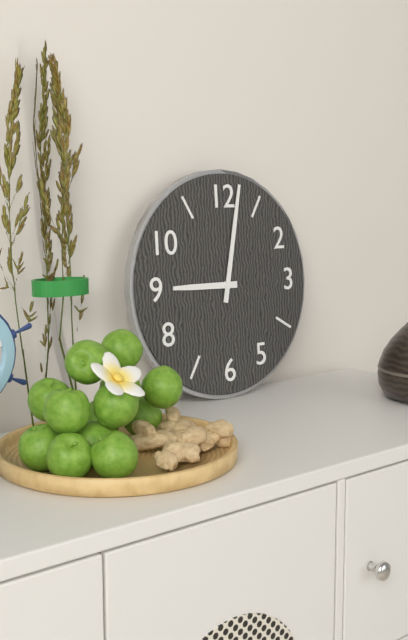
9:02
